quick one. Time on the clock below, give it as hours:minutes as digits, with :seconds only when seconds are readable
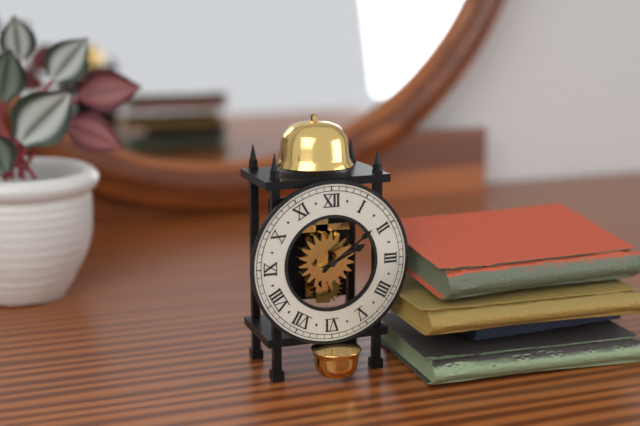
2:09
